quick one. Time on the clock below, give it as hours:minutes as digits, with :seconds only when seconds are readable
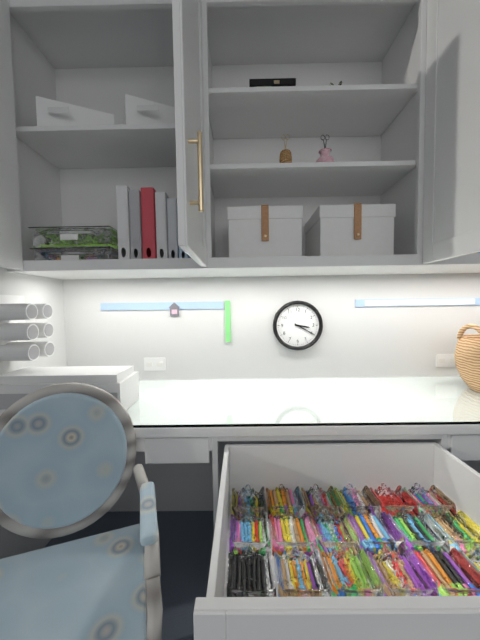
3:20
